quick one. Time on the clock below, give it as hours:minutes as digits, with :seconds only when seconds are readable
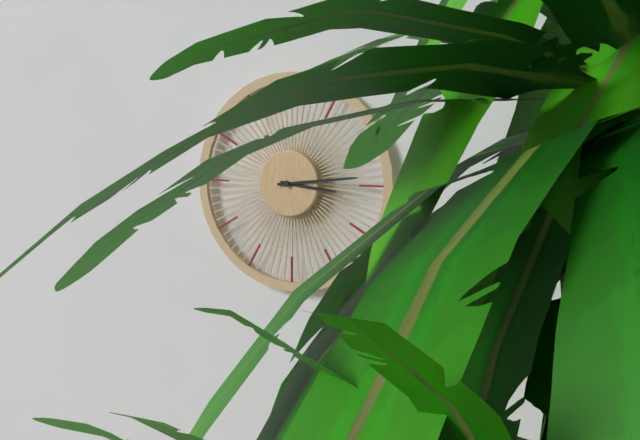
3:14
